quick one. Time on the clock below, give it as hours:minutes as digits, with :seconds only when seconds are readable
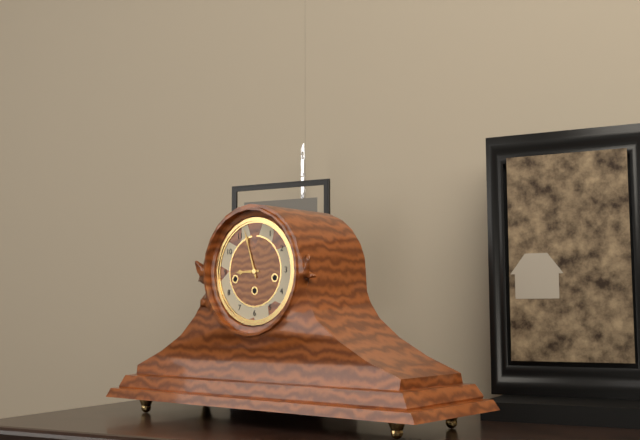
8:57
